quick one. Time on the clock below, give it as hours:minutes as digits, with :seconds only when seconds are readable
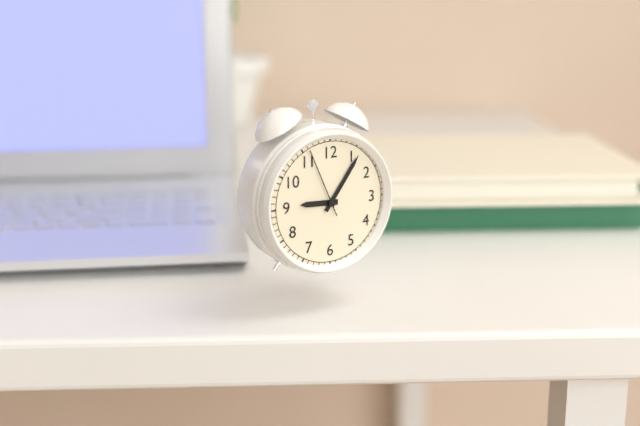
9:06:56
